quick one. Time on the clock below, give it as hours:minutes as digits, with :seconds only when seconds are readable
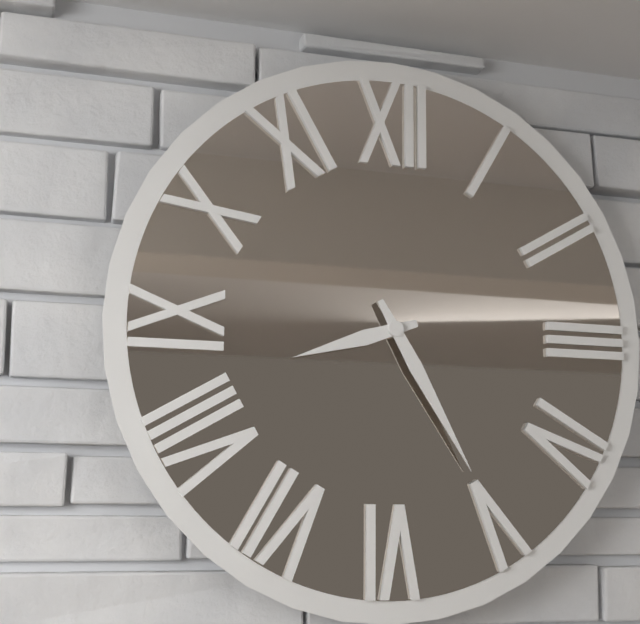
8:25
